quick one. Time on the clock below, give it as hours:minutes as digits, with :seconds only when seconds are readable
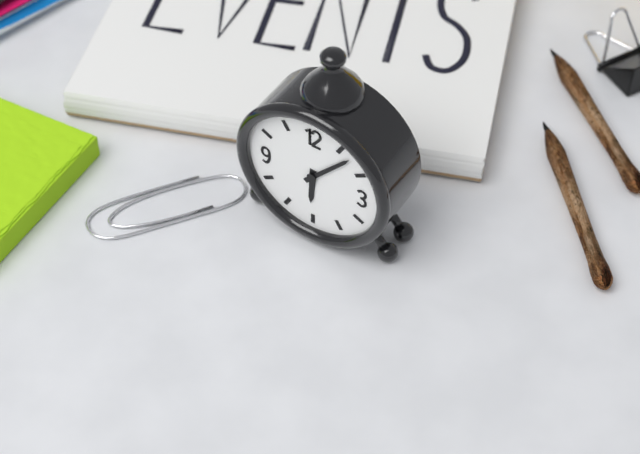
6:07
